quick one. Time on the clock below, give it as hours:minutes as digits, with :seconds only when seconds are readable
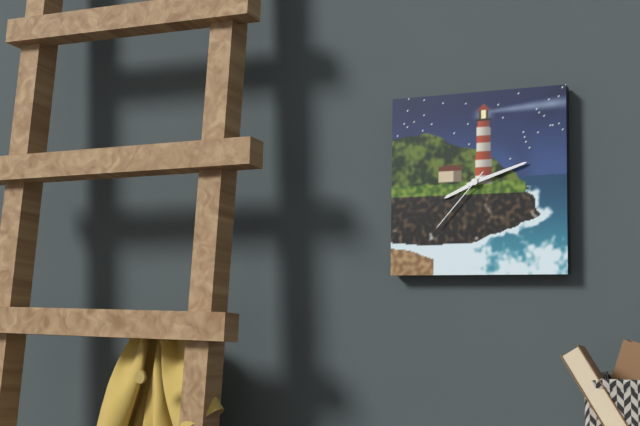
8:12:37
